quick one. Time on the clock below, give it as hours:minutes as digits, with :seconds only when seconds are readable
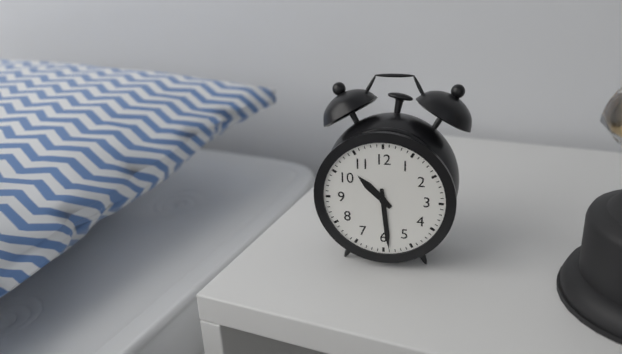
10:29
